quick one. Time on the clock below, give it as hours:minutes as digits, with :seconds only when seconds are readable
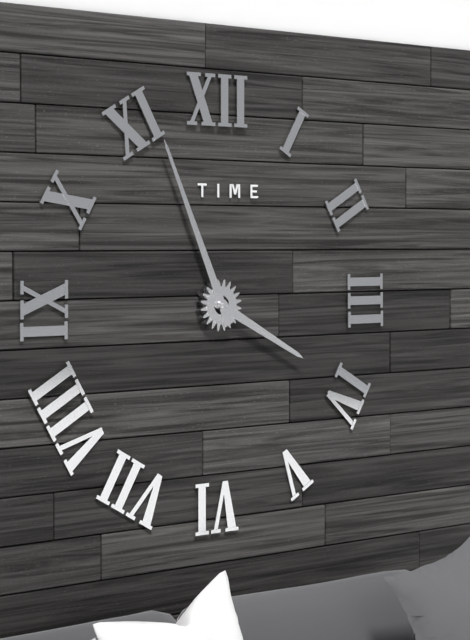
3:56
